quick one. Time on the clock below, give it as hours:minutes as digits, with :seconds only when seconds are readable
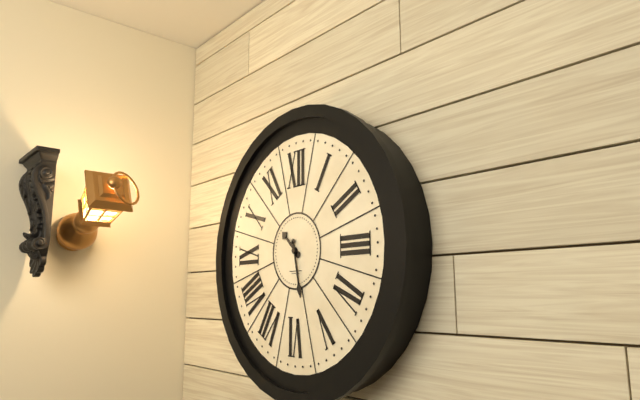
10:28
